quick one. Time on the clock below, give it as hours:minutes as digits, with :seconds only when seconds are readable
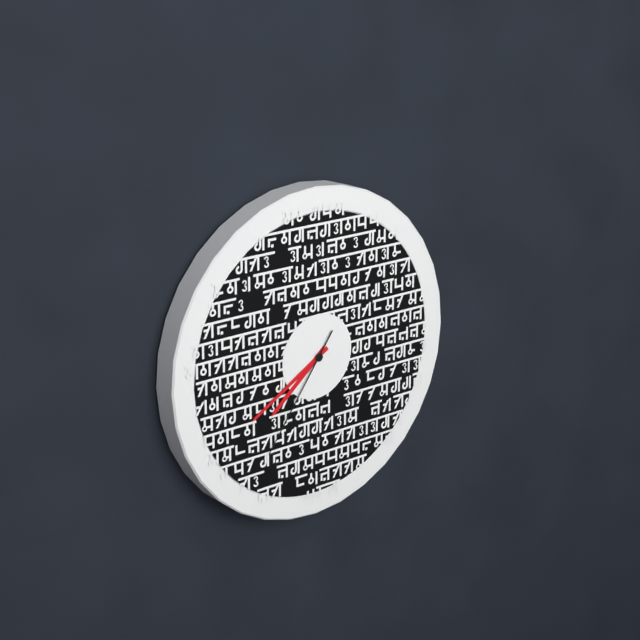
7:40:36
